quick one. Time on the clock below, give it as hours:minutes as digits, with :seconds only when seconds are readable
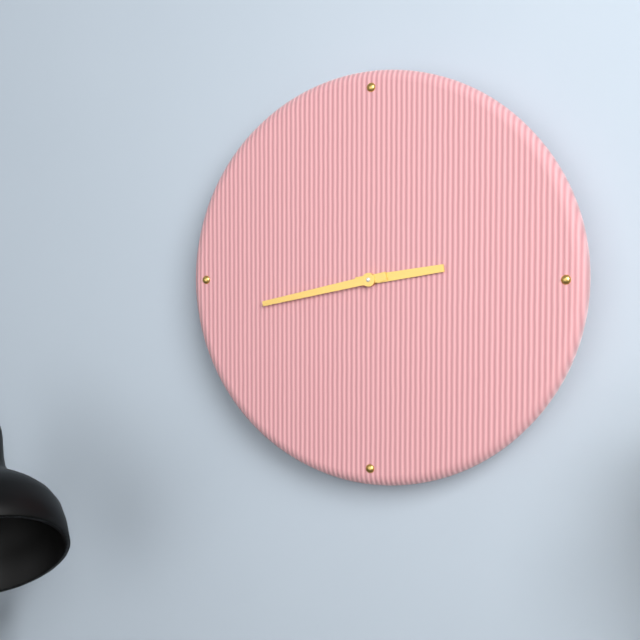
2:43
